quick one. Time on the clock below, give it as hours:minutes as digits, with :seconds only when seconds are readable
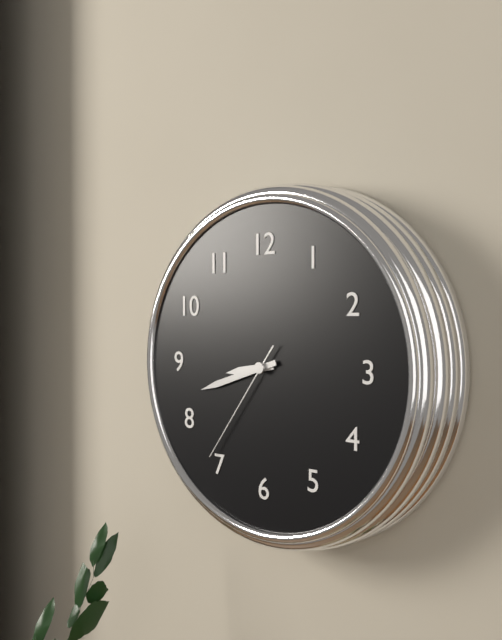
8:42:36
